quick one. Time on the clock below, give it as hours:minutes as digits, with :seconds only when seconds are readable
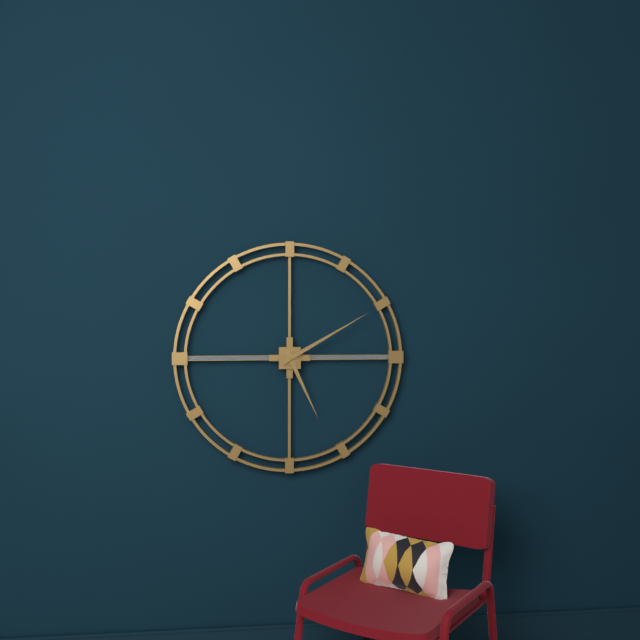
5:10
